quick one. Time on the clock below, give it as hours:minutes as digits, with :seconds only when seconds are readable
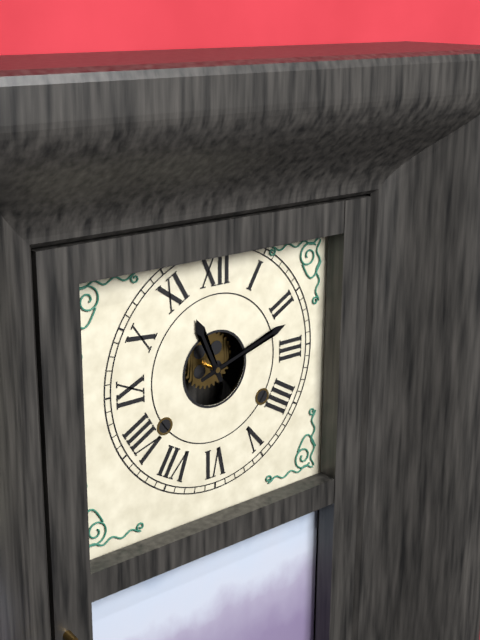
11:12
